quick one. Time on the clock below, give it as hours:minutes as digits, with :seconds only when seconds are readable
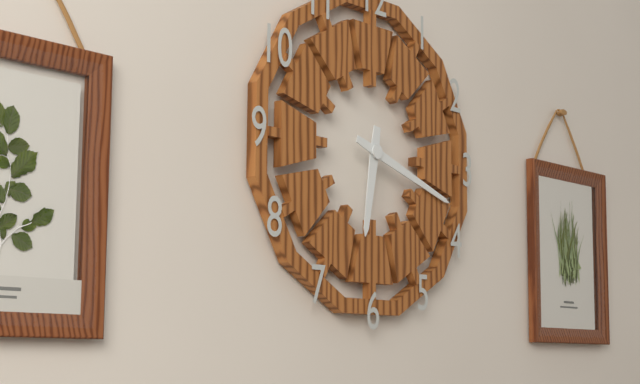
6:18
